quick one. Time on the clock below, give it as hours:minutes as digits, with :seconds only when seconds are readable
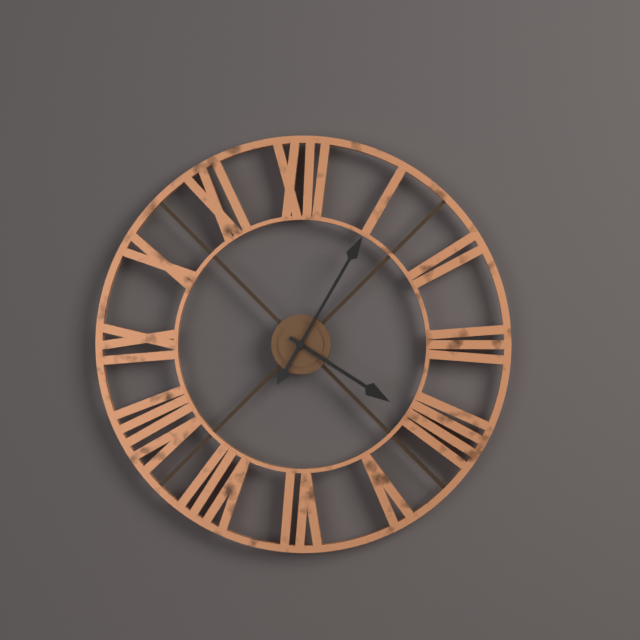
4:05
